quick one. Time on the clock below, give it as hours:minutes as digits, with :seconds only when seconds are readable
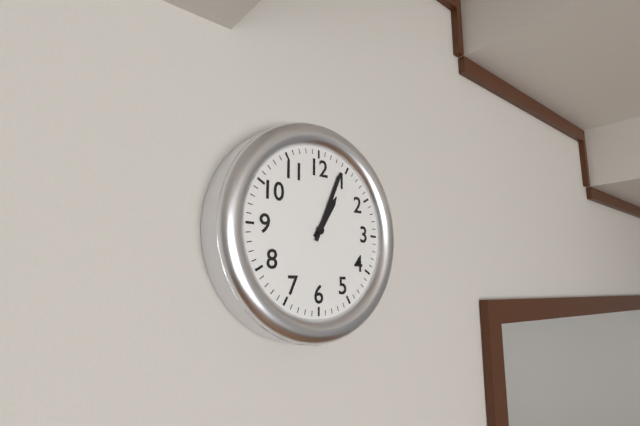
1:04
